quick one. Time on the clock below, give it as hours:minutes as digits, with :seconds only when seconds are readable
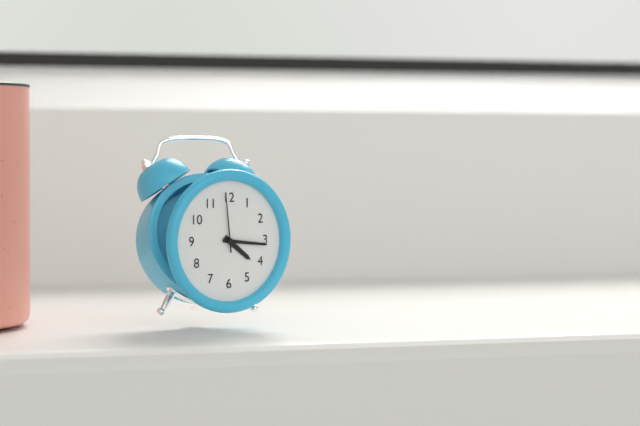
4:16:59
